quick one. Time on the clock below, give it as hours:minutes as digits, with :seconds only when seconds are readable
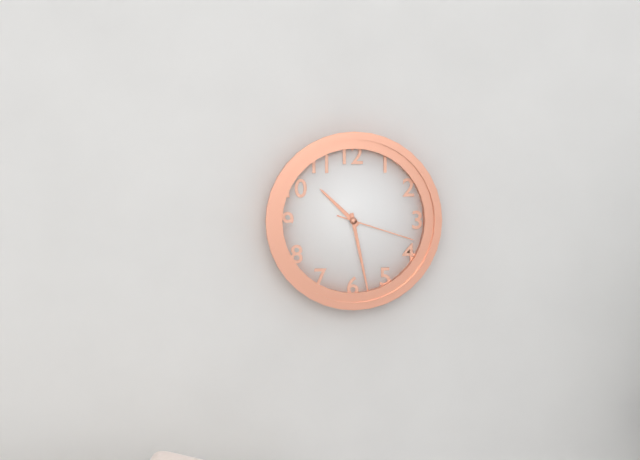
10:28:18
